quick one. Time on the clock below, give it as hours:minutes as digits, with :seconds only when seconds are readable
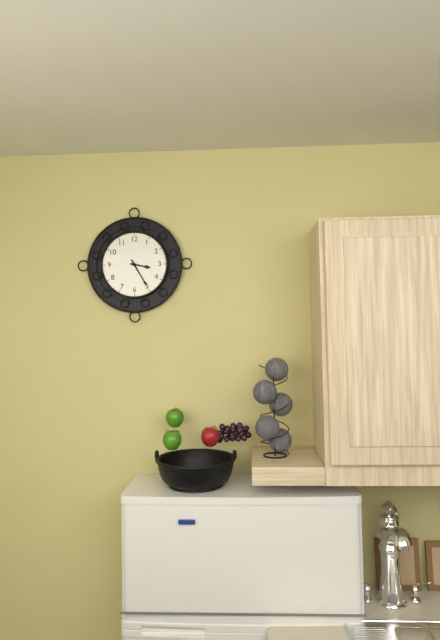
3:25
